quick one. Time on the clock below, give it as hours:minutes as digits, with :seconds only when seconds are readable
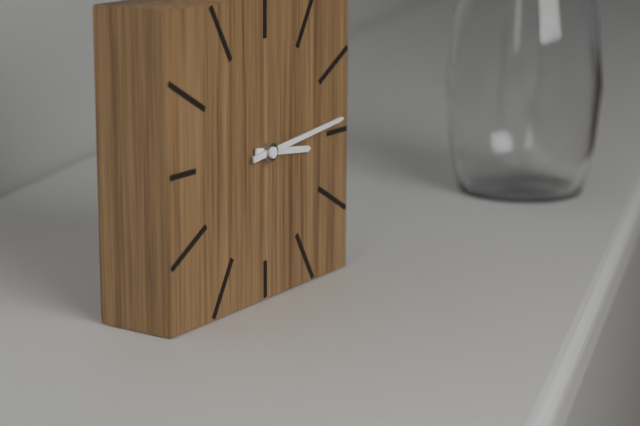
3:14
